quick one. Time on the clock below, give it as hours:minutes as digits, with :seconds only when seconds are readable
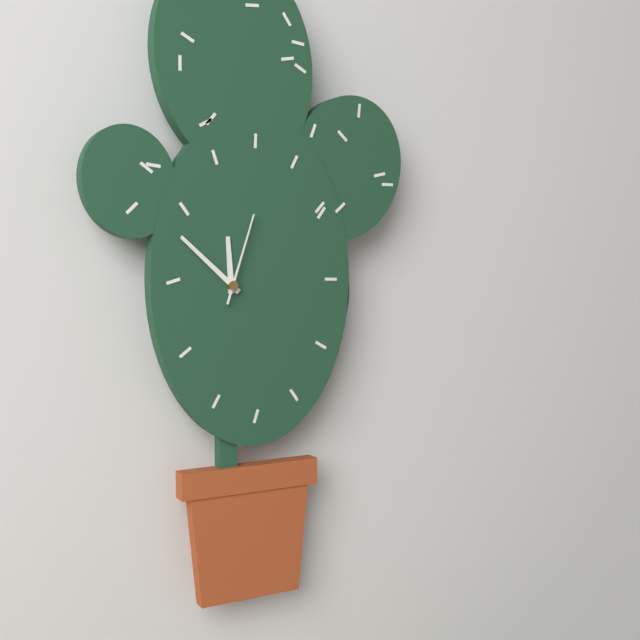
11:52:03
